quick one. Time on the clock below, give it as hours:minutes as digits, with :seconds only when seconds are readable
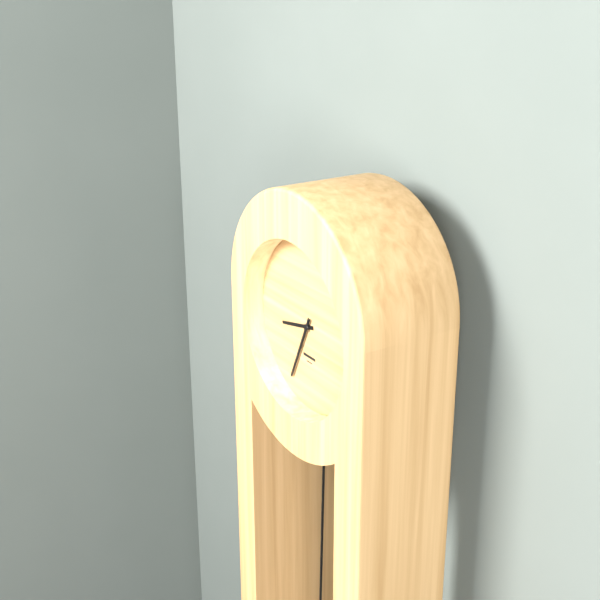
8:34
